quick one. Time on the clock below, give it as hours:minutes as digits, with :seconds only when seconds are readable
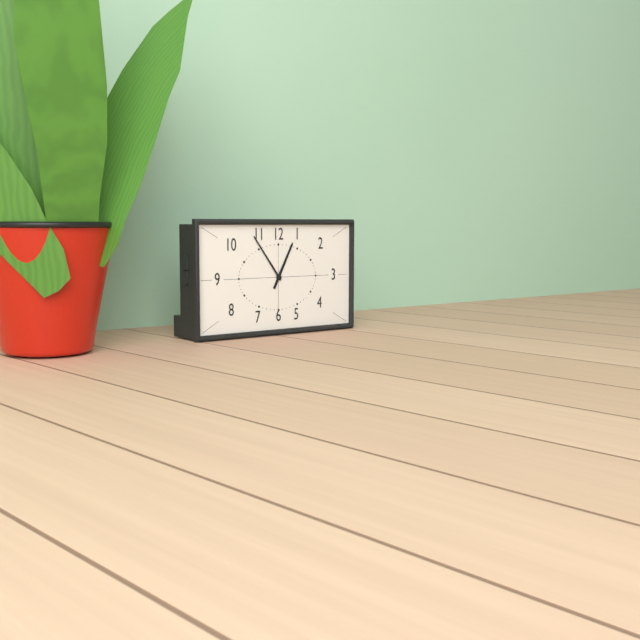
12:54
